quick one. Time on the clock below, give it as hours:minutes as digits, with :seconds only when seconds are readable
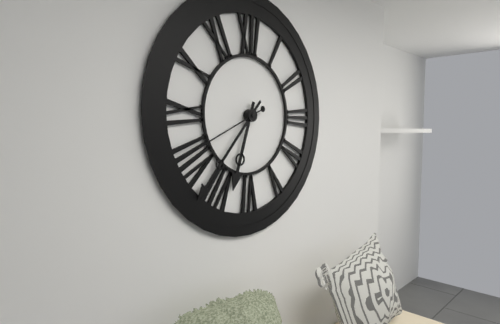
6:37:41
